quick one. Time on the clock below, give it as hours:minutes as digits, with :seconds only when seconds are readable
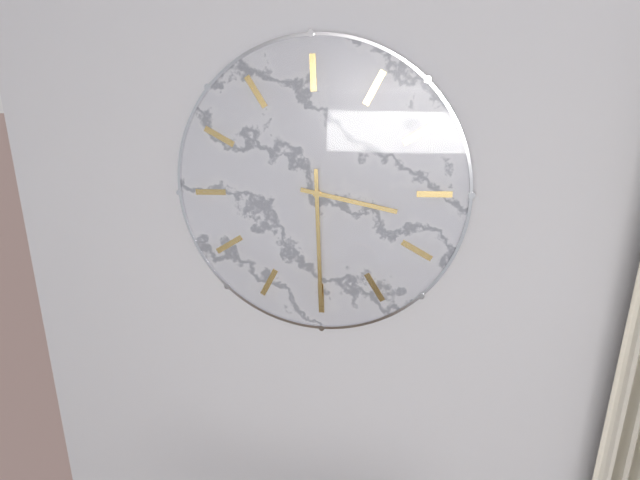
2:25
